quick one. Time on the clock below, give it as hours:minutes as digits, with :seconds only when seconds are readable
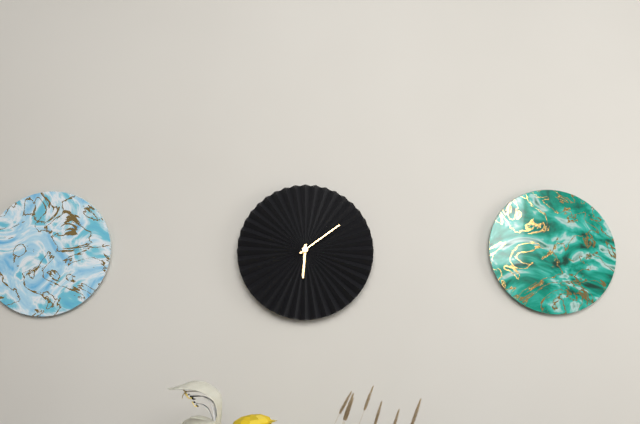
6:09
